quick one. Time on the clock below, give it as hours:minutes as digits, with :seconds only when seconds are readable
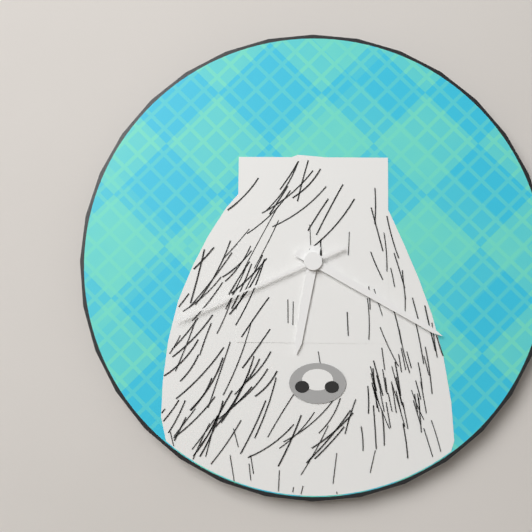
6:20:41
